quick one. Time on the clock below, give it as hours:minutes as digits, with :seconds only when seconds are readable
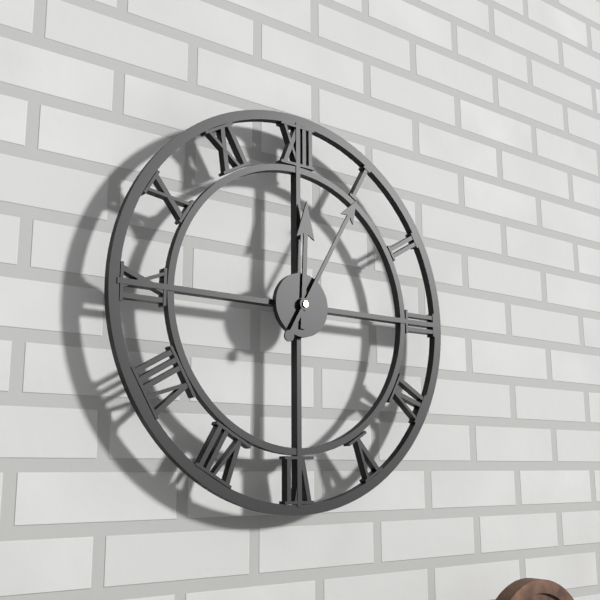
12:05
